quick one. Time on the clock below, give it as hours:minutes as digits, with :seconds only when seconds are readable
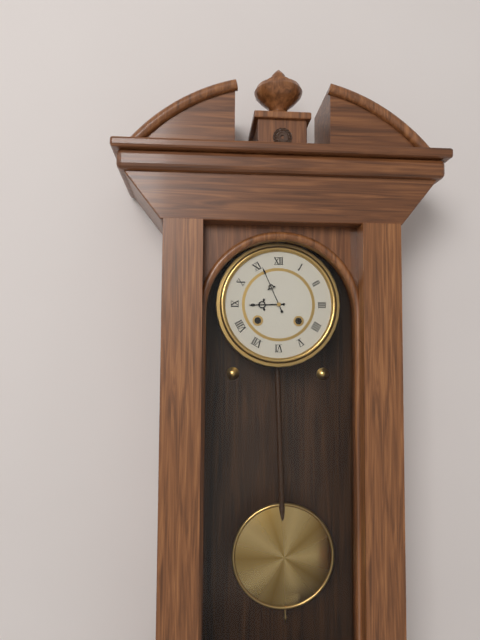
8:56
